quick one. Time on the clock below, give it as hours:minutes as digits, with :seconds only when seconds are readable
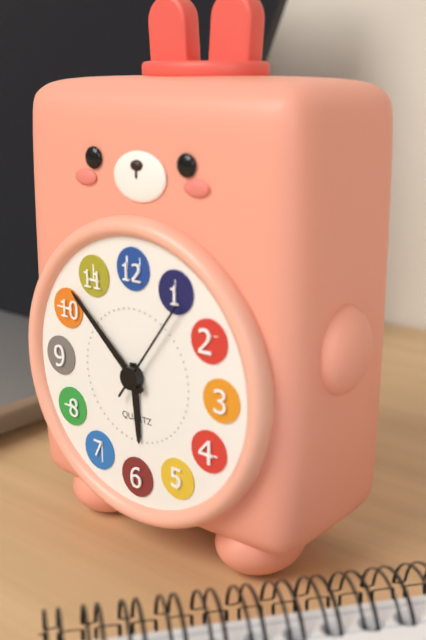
5:52:06
